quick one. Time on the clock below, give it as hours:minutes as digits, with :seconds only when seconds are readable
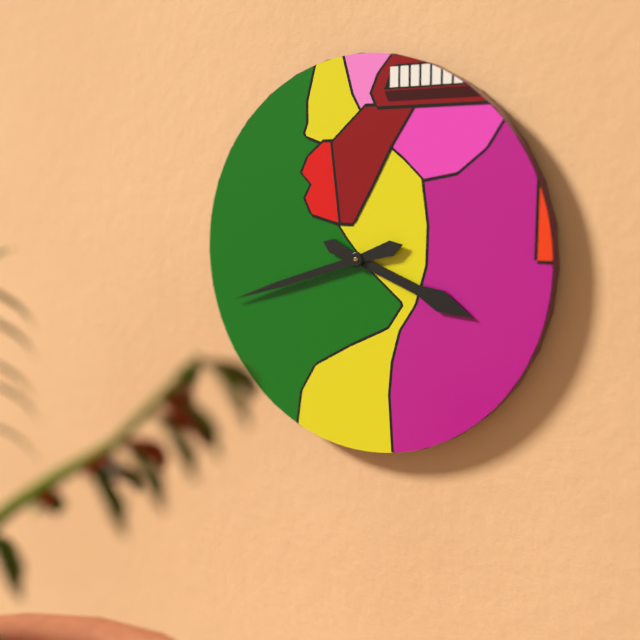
3:42
